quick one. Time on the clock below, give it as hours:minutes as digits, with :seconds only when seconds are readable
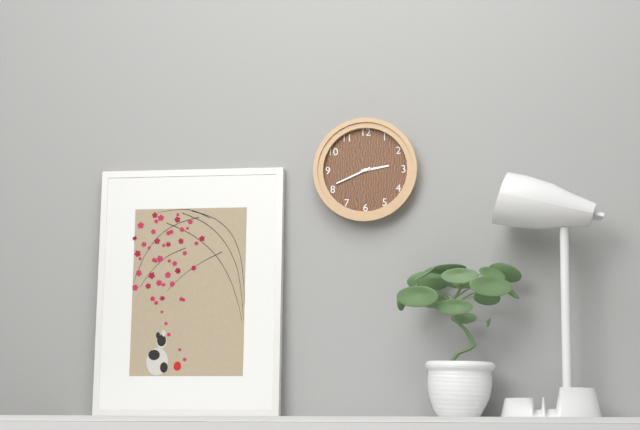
2:41
